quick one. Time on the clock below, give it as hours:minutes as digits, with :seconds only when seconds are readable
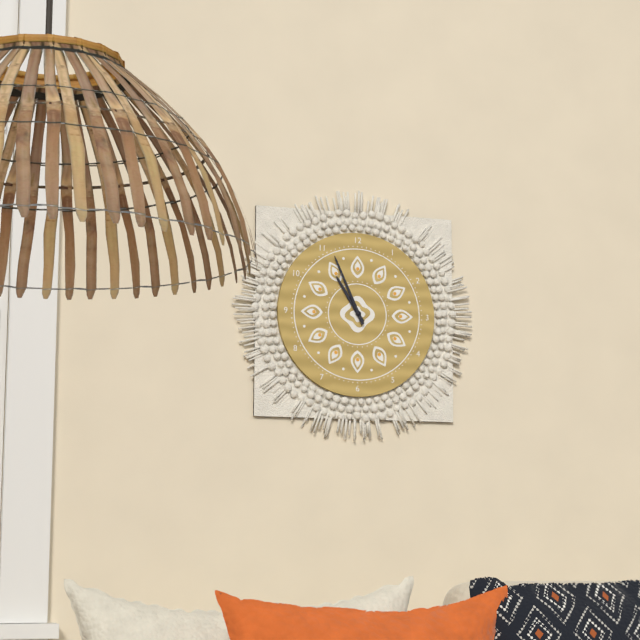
10:56
